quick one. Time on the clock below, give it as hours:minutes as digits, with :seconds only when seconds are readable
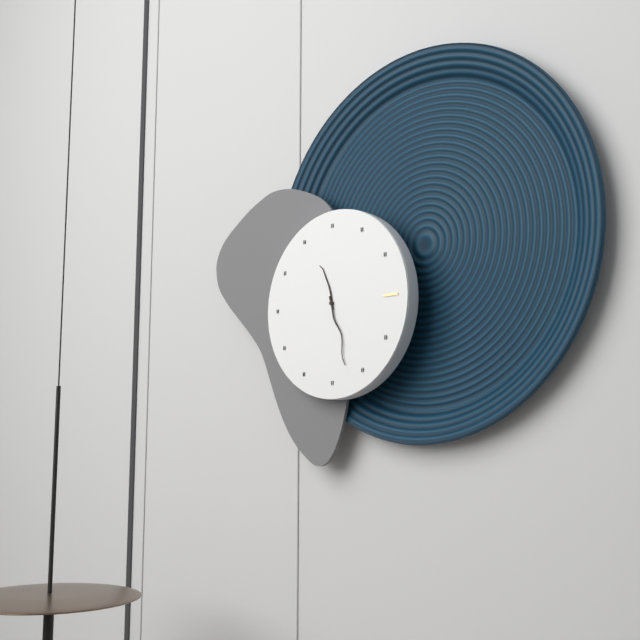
11:27
